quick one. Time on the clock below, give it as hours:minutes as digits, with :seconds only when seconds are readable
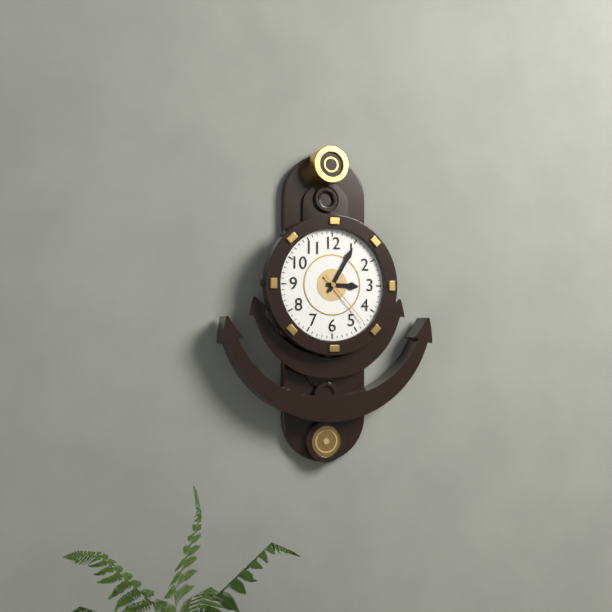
3:05:23
